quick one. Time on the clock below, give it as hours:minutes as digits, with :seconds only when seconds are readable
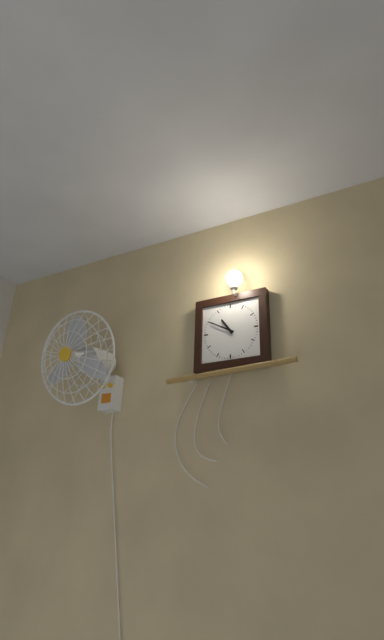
10:50
